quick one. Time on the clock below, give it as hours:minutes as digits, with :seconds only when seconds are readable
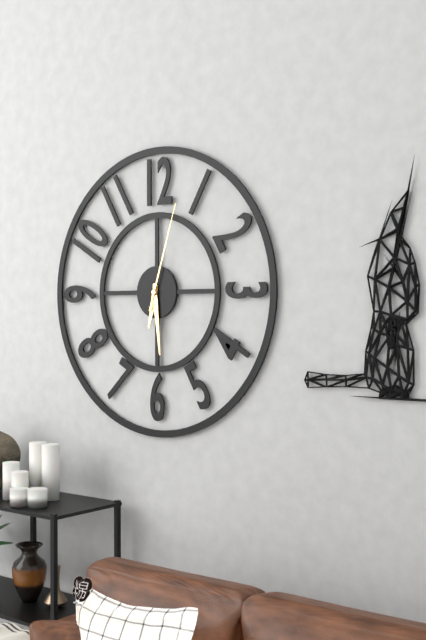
6:29:03
